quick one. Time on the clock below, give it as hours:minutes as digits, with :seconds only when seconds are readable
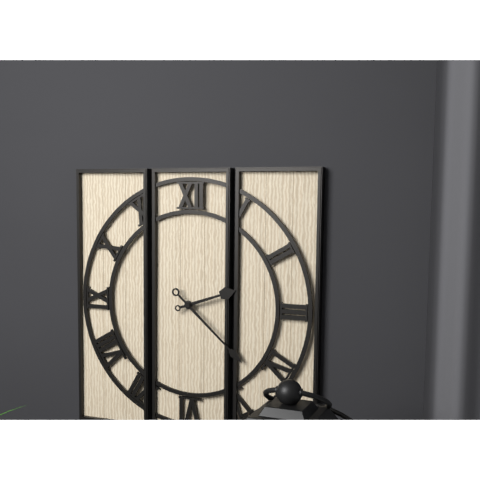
2:22
